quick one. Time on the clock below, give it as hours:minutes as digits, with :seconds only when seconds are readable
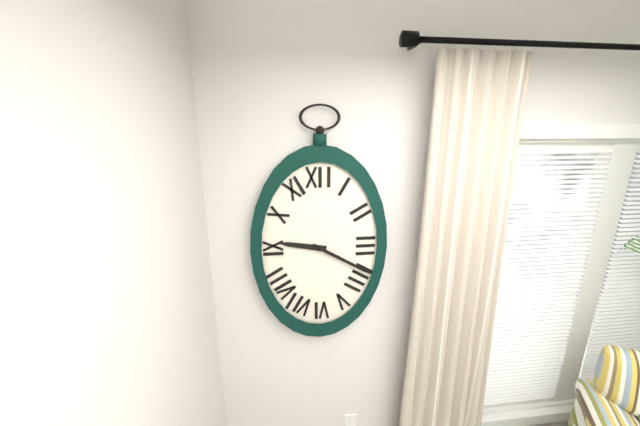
9:20
